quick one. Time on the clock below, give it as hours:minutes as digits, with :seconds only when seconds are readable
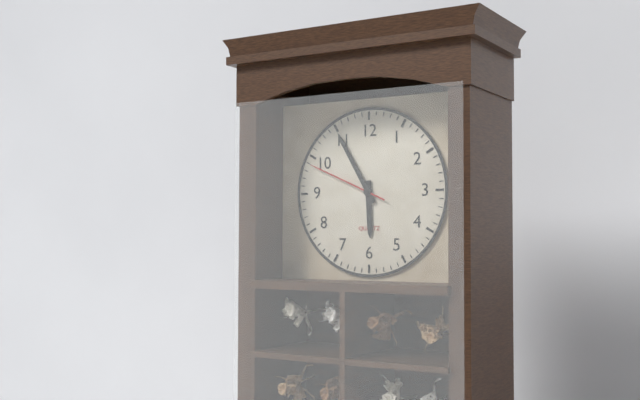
5:55:49
